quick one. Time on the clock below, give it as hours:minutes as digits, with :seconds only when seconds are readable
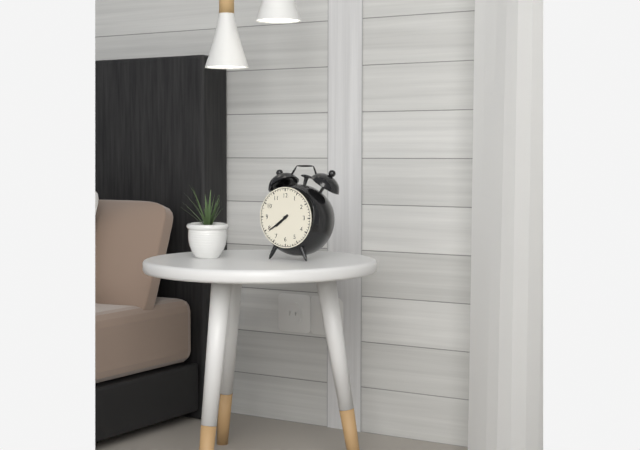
7:39
